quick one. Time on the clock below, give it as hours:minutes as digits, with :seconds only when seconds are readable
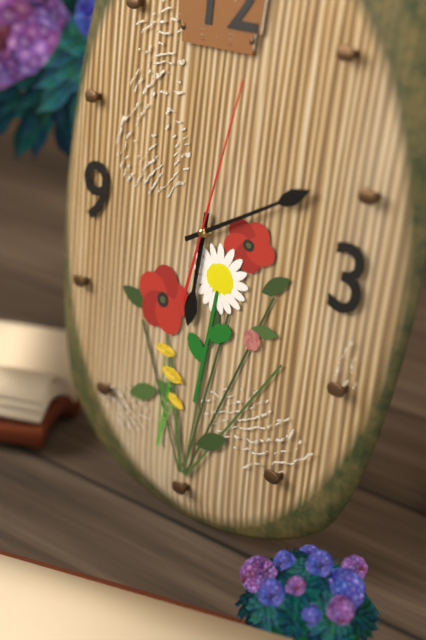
6:10:02
